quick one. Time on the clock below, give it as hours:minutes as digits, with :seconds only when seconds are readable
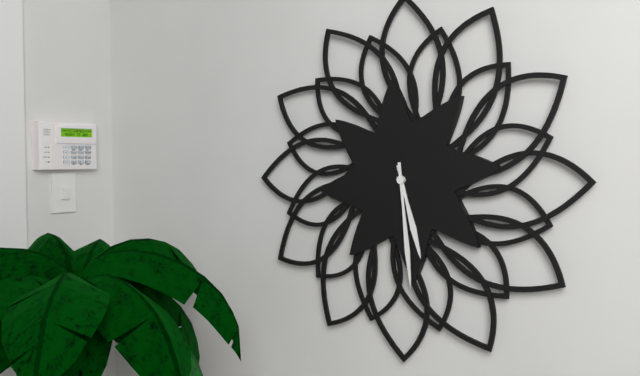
5:29
